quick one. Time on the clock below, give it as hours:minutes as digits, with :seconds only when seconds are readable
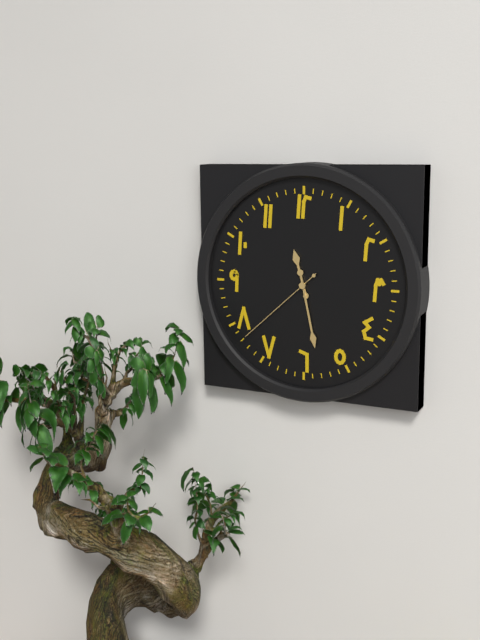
11:28:38
